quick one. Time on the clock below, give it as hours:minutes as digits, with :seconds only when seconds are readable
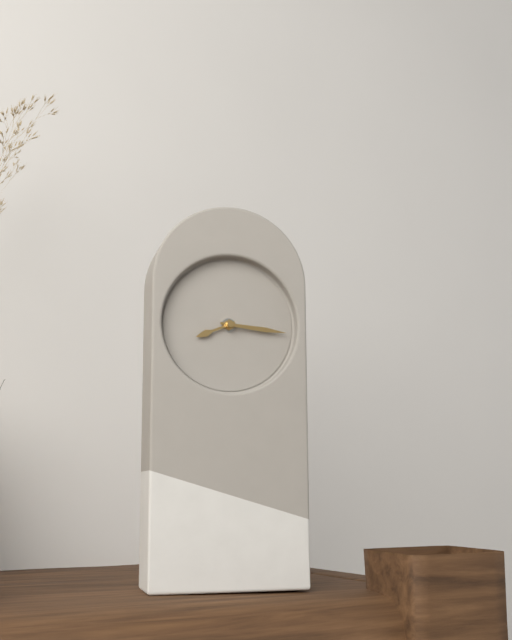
8:16
